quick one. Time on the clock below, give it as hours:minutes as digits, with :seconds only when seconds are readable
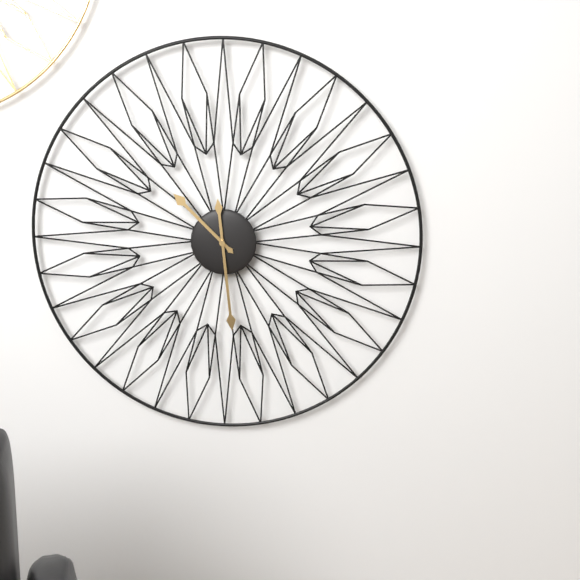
10:29
